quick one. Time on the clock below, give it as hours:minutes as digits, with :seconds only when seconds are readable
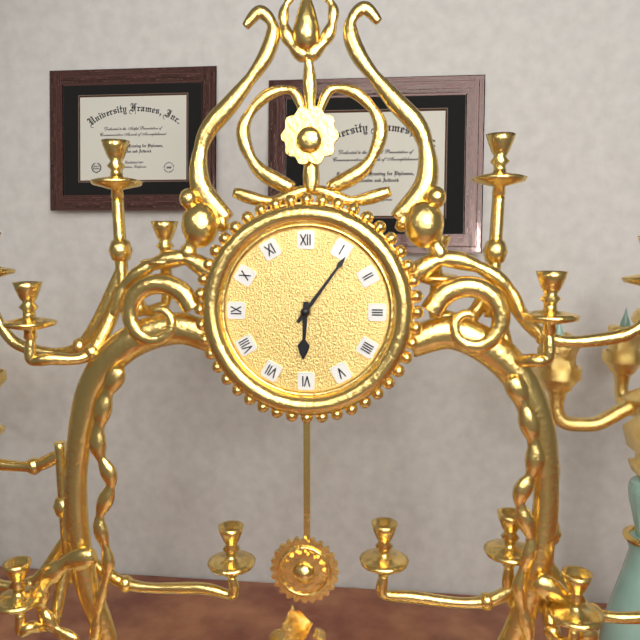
6:06
